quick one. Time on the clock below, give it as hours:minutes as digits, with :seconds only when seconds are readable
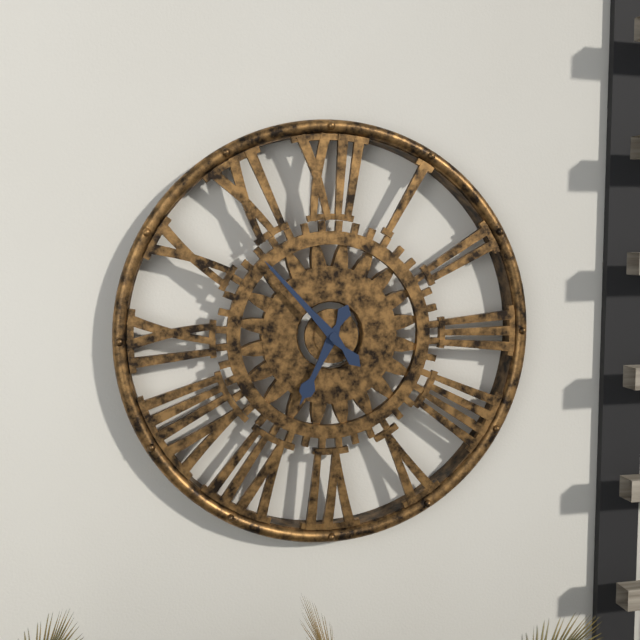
6:53
